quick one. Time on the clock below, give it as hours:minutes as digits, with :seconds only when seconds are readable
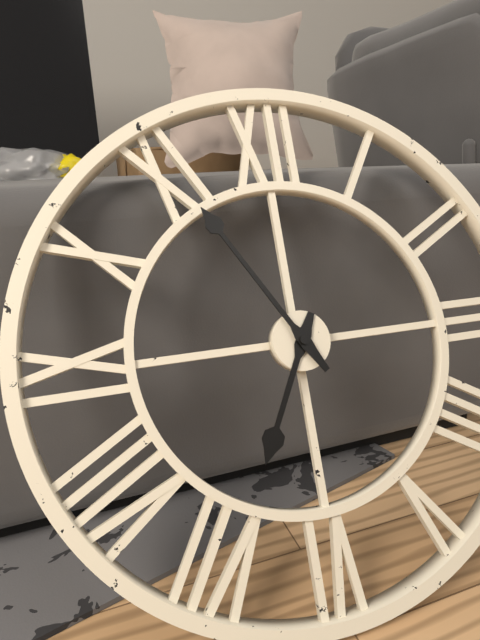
6:55
